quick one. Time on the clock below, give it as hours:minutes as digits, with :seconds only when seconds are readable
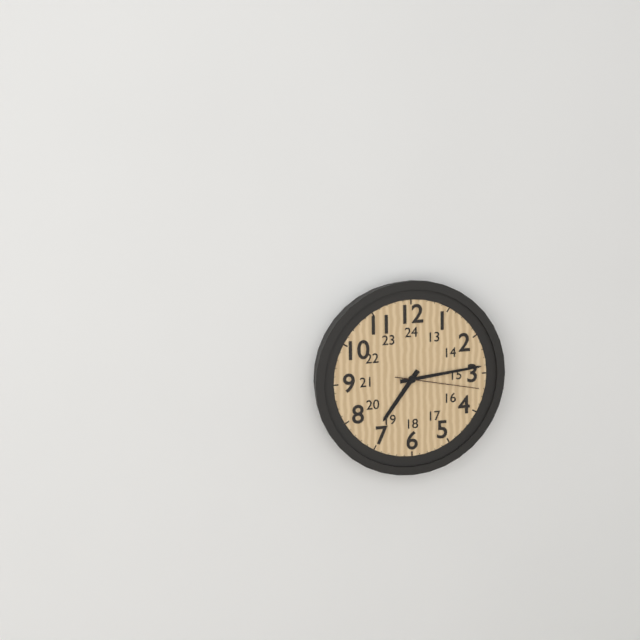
7:14:17
